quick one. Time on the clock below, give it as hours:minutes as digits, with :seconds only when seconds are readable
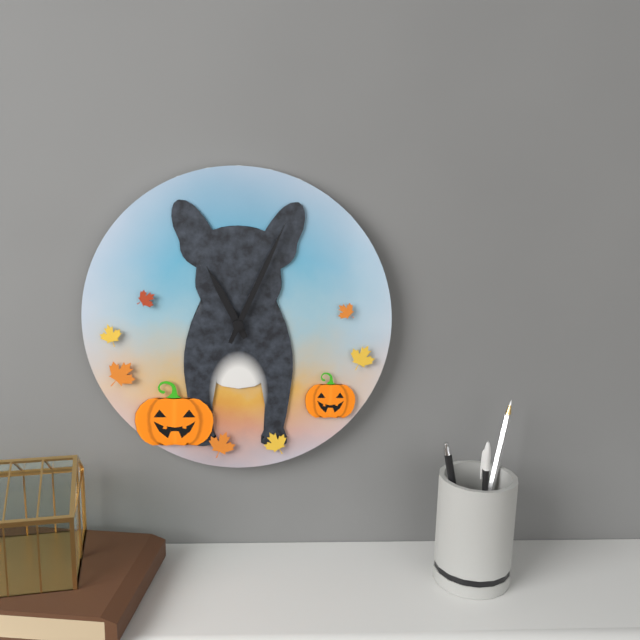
11:04
